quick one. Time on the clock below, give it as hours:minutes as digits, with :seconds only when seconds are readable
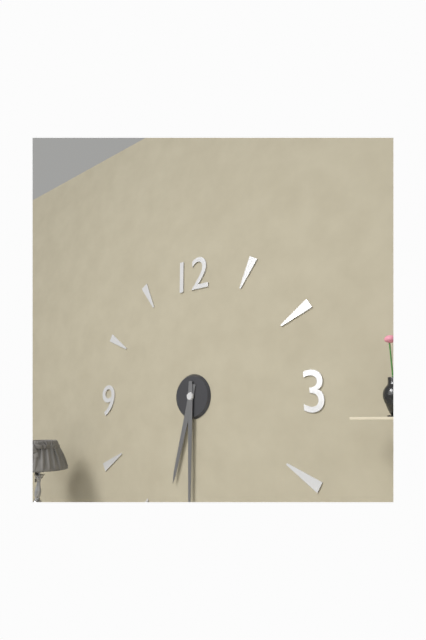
6:30
